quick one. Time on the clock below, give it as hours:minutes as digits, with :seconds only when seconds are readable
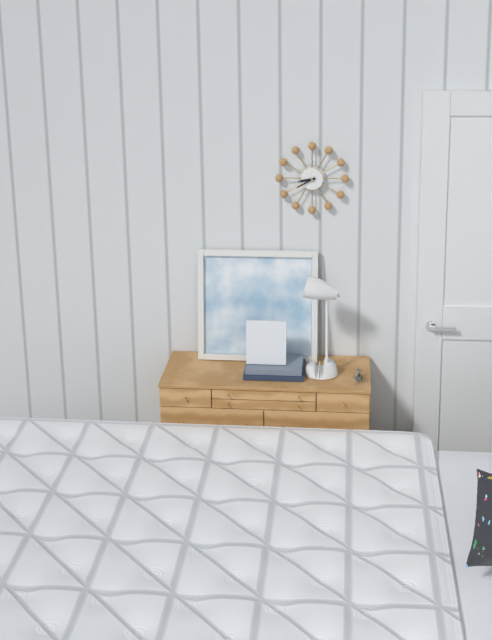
8:40
